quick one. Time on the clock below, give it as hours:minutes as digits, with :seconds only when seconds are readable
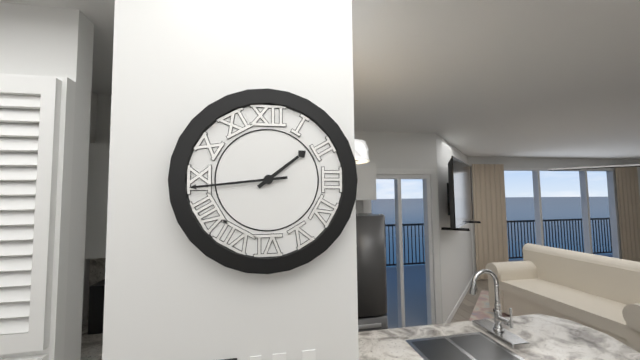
1:44
